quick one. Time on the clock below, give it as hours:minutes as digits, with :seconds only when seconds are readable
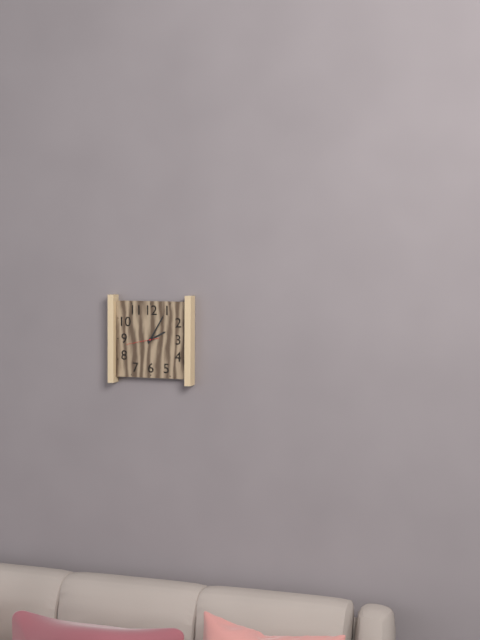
2:05
